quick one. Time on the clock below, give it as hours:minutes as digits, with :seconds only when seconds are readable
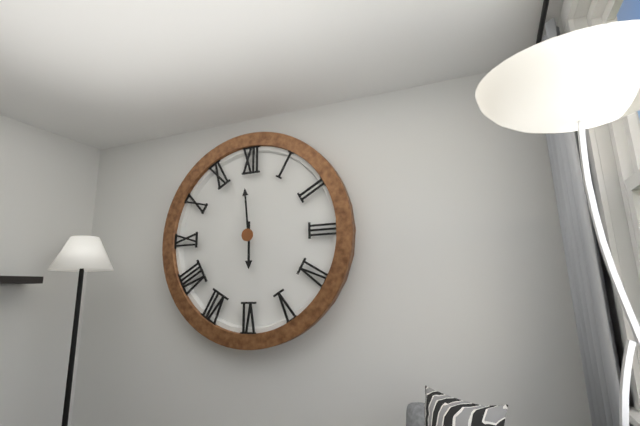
5:59
